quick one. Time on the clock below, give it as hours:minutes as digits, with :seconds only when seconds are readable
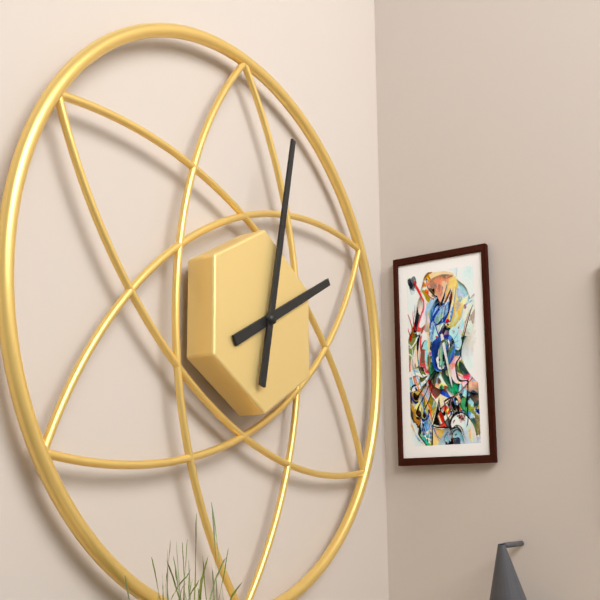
2:02
